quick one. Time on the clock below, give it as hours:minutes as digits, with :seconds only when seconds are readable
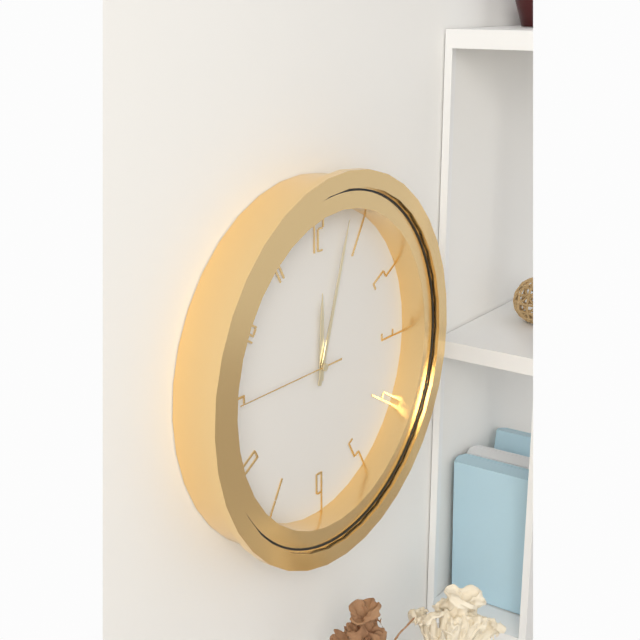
12:03:45
